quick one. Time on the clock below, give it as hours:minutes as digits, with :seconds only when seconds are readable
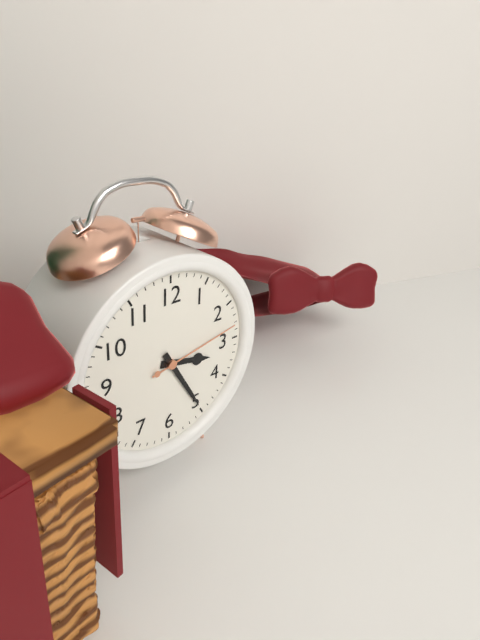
3:25:13
